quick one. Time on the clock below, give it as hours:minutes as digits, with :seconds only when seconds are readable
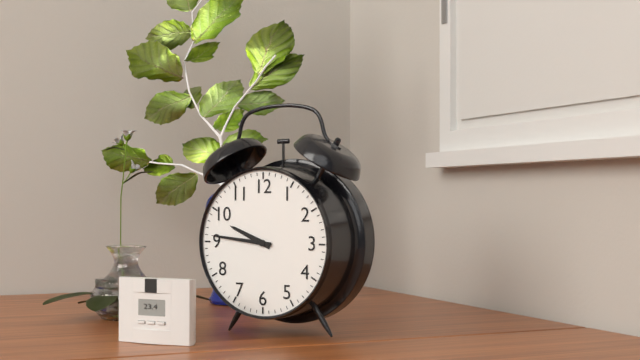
9:46
